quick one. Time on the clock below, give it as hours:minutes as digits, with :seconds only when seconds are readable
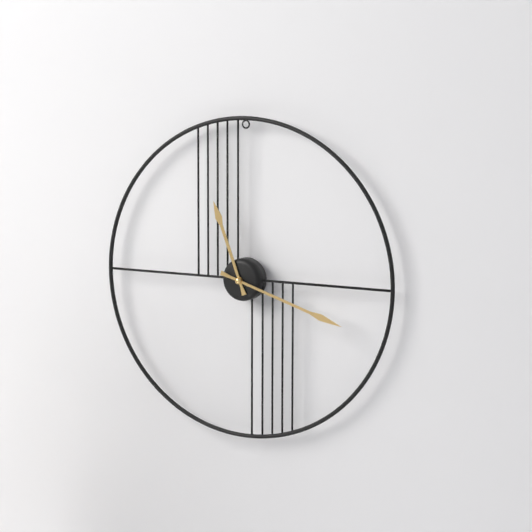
11:18
